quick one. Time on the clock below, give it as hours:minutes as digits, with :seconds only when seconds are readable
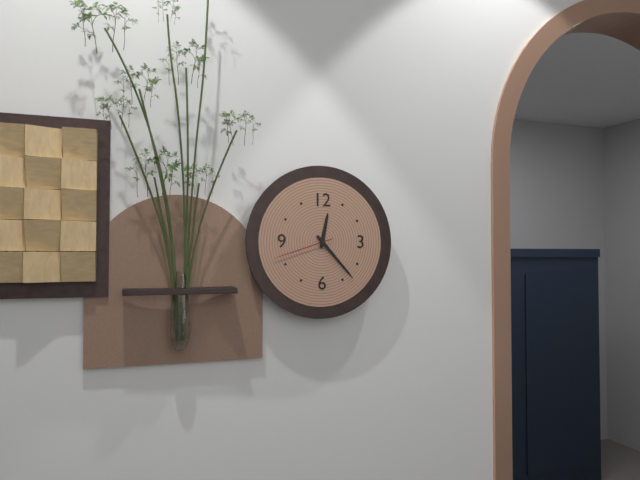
12:23:42
